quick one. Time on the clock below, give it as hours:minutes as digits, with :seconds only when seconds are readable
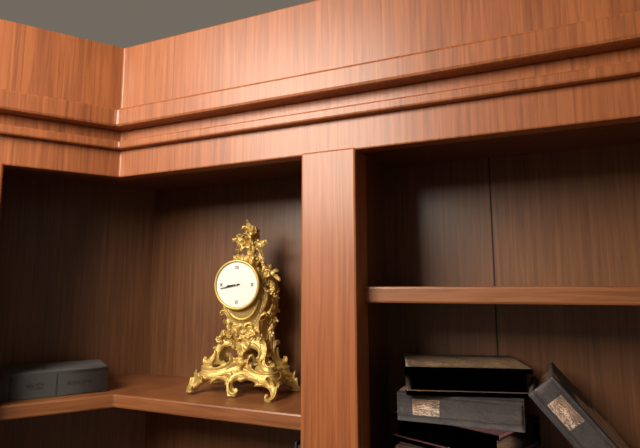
8:43
